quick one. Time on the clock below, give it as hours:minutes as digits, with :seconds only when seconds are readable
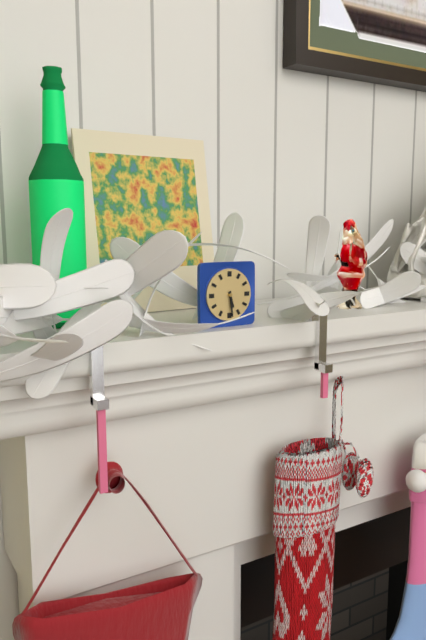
5:29
